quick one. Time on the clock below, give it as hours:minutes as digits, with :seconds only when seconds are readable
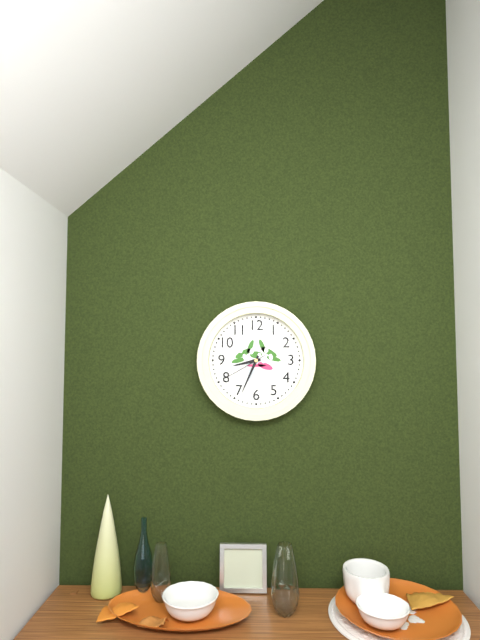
8:34
